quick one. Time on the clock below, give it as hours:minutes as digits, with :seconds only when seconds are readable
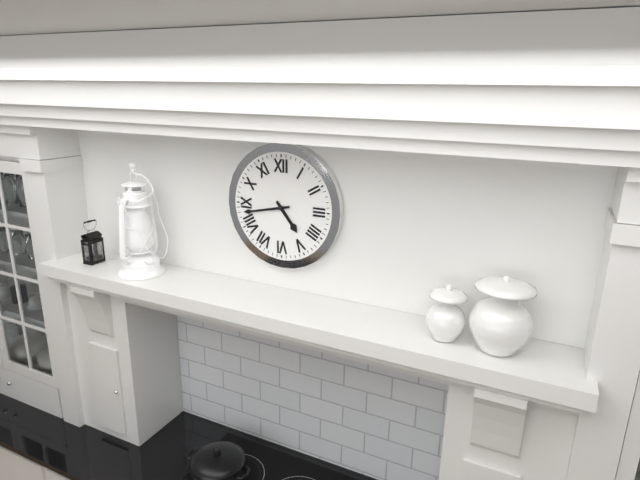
4:43
